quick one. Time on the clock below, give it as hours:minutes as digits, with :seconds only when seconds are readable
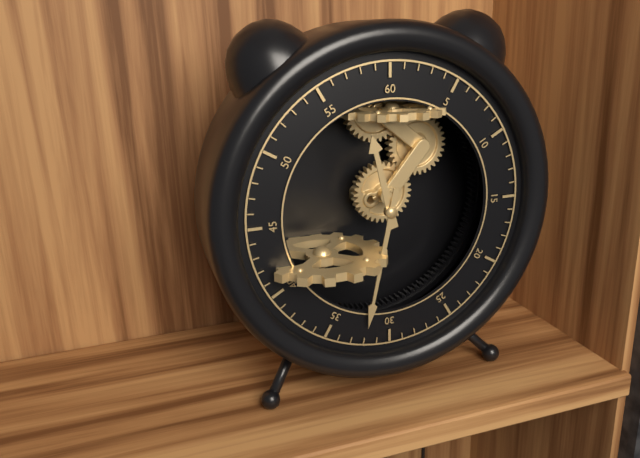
11:32
